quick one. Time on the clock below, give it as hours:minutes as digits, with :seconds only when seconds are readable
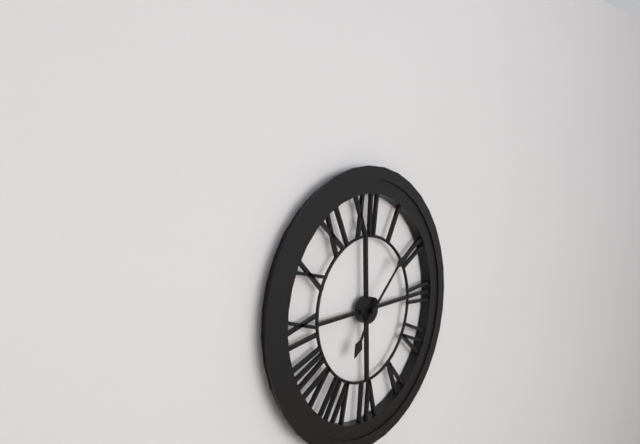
7:08
